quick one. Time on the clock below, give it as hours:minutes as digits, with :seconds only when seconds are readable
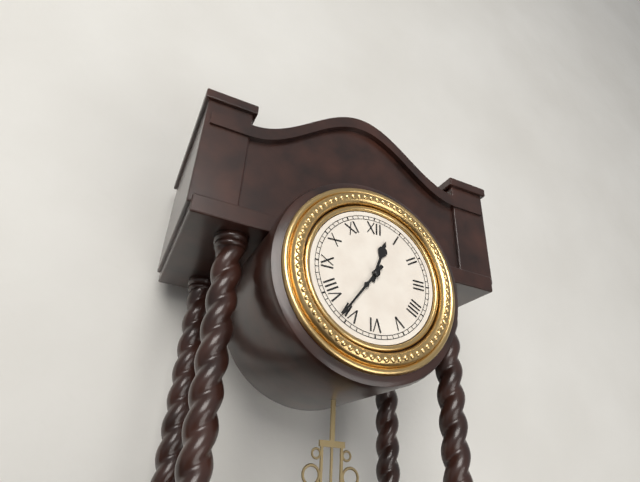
12:36
